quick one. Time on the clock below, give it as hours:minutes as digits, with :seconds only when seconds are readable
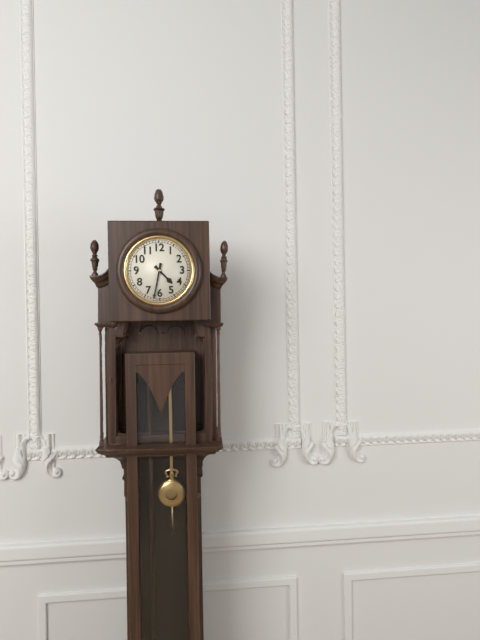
4:32
